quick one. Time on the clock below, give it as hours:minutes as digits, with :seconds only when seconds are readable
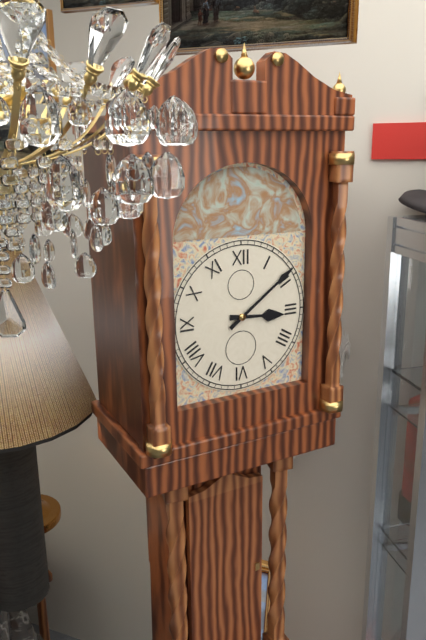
3:09
